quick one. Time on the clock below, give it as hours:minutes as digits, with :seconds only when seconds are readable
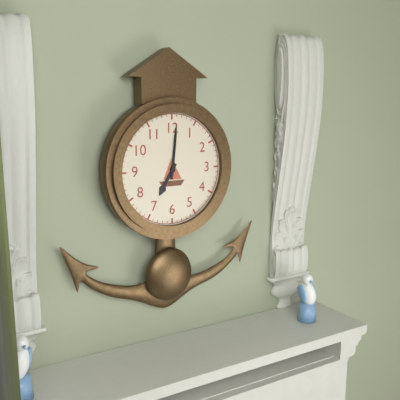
7:01
